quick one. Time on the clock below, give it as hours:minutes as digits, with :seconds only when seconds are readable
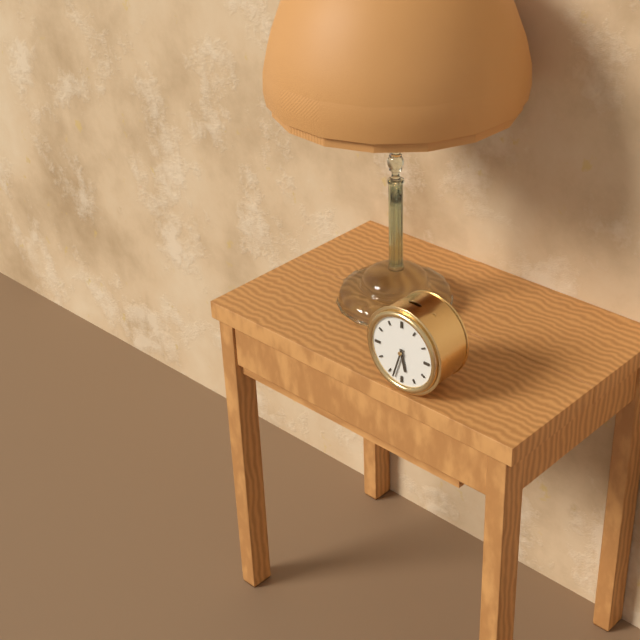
5:33
